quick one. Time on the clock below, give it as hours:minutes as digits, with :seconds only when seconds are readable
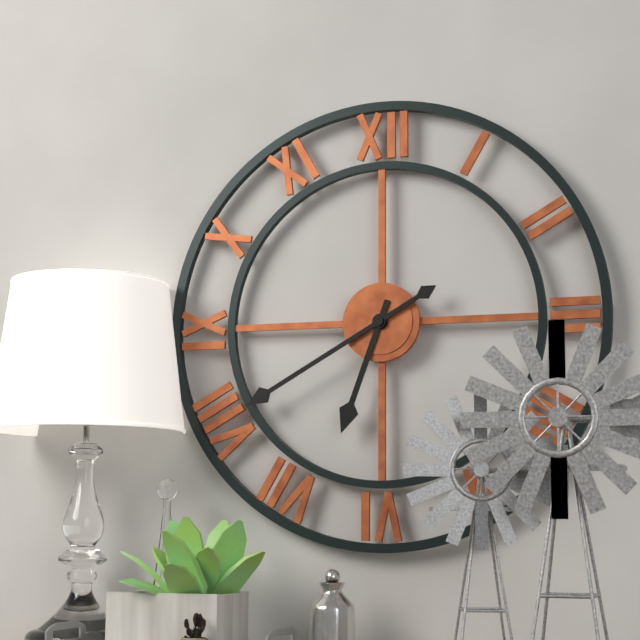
6:40
